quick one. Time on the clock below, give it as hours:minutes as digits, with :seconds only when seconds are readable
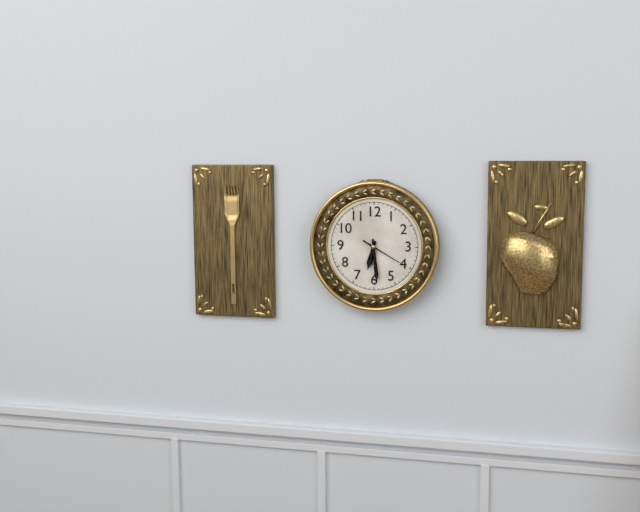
6:29
